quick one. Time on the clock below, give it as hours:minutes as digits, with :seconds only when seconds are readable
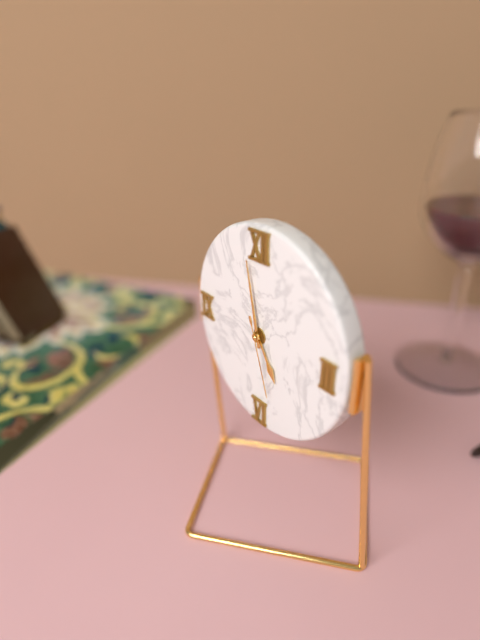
4:58:27
